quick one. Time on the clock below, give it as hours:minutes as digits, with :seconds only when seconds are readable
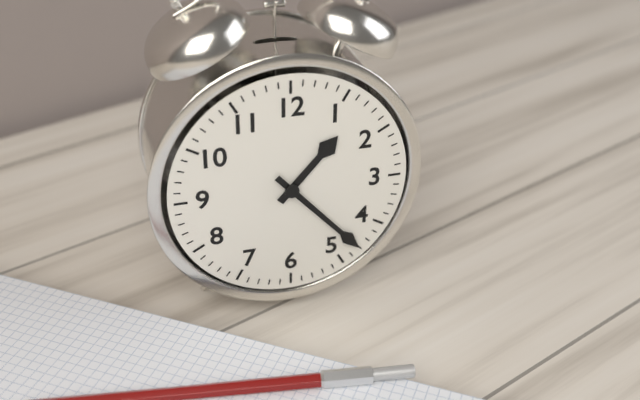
1:23
